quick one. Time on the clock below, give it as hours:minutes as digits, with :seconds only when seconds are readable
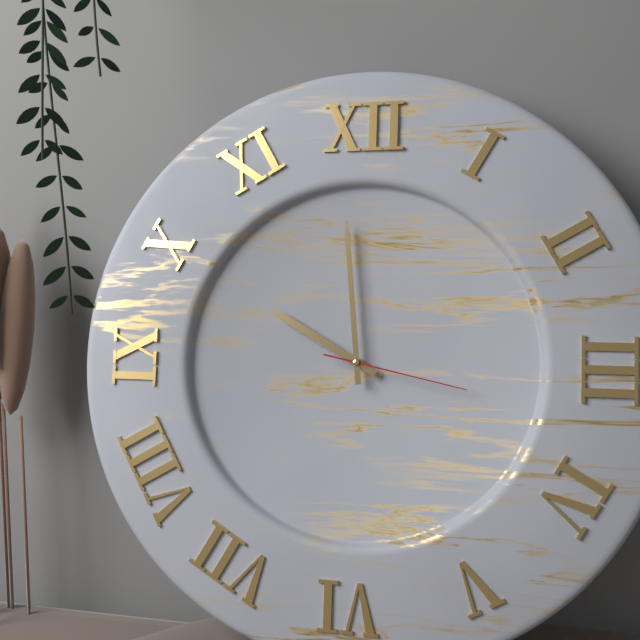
9:59:17
